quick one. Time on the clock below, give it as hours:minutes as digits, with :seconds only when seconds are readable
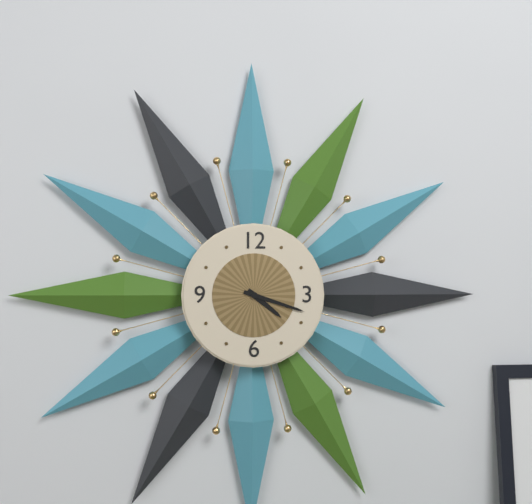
4:18
